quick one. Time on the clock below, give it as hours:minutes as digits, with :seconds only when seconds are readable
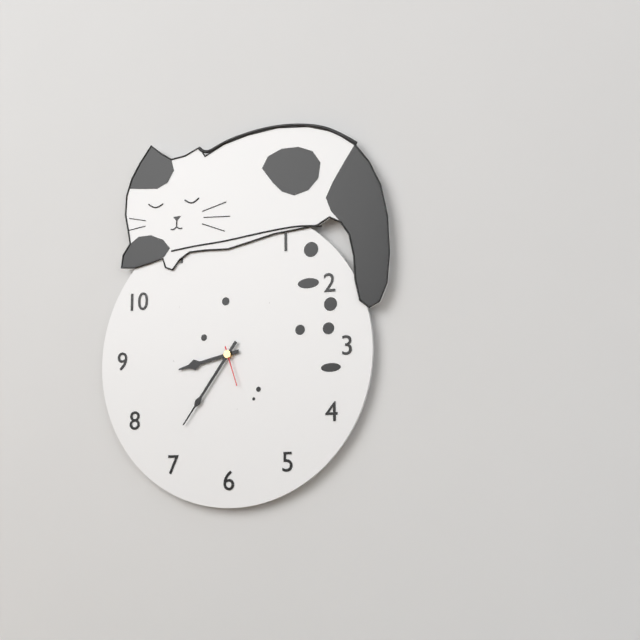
8:36
